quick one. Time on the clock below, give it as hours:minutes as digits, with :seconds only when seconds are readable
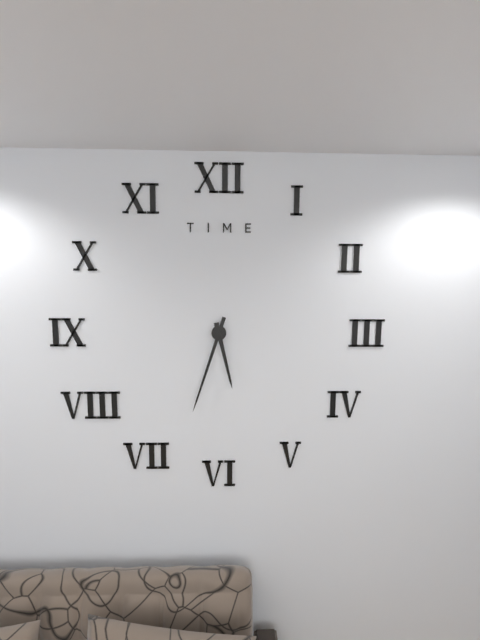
5:33
